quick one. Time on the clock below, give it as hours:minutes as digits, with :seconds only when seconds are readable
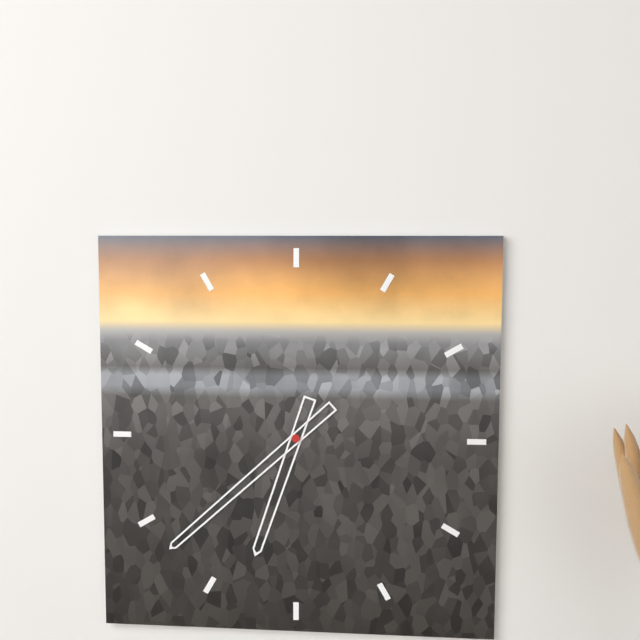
6:38
